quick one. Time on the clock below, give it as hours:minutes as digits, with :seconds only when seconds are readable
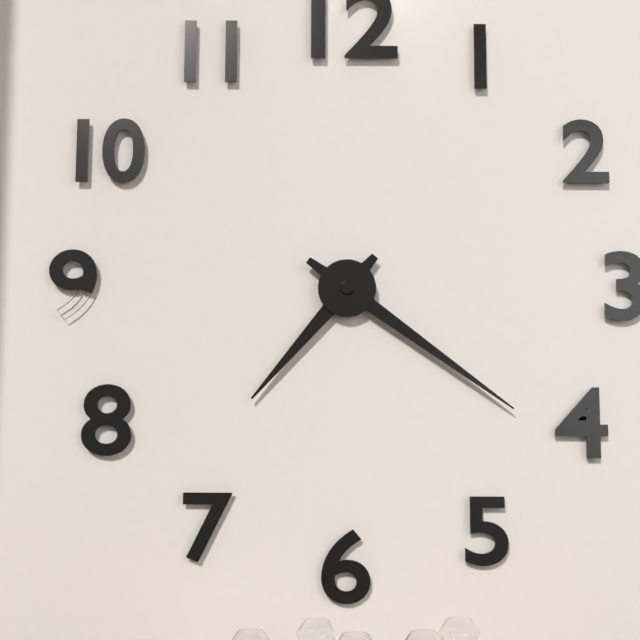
7:21
